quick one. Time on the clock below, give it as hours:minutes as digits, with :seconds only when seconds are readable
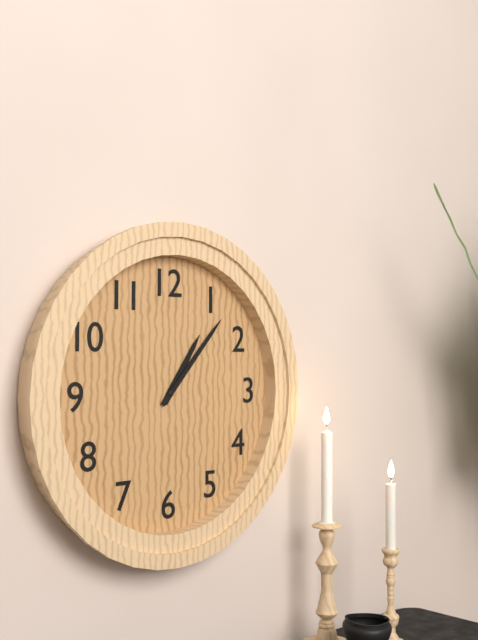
1:07
